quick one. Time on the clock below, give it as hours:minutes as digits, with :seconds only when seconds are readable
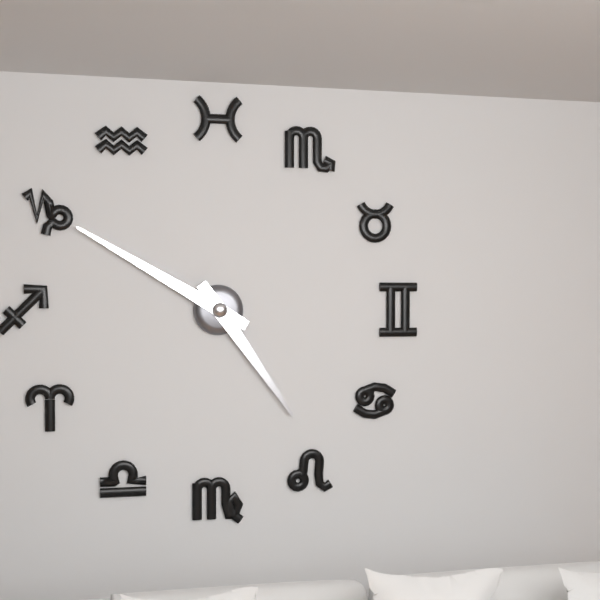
4:50
